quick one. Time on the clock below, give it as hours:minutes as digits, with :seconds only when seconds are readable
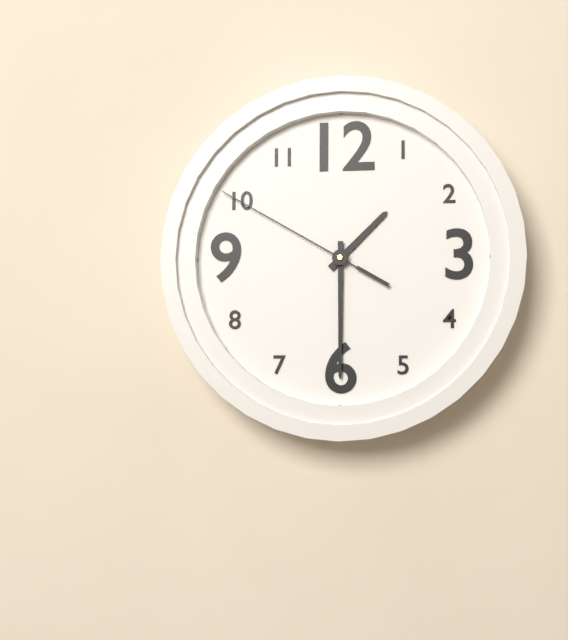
1:30:50
